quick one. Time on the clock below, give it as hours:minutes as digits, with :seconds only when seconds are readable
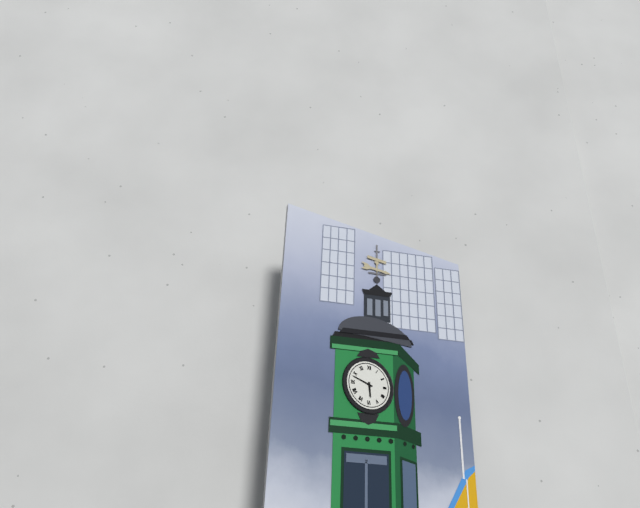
5:48
